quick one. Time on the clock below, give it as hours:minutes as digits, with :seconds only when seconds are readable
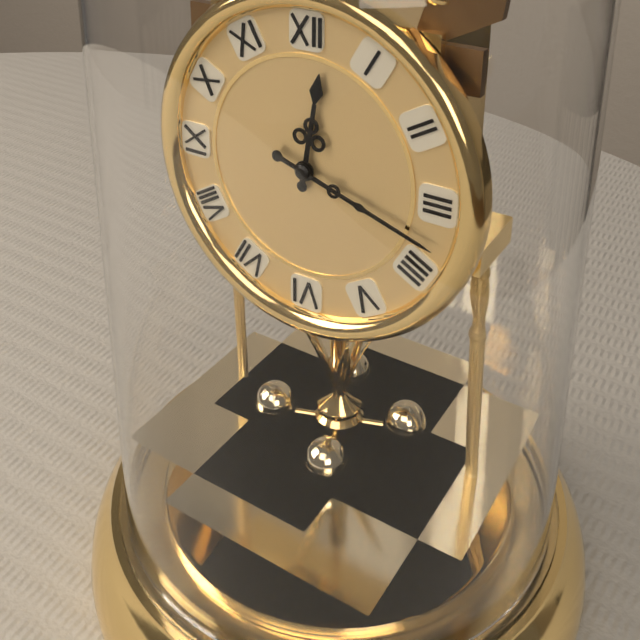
12:18
